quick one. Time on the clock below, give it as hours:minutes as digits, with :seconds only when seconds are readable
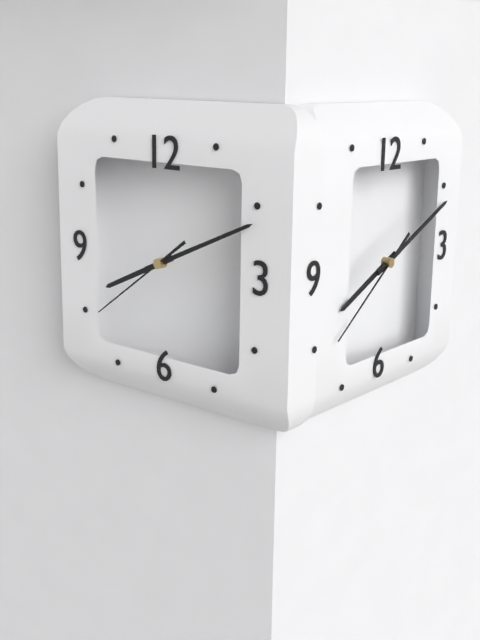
8:11:39
